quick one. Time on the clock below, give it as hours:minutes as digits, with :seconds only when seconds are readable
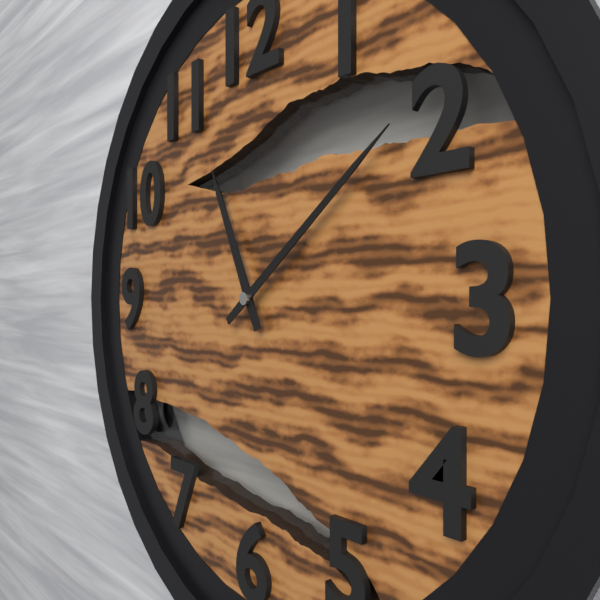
11:09
